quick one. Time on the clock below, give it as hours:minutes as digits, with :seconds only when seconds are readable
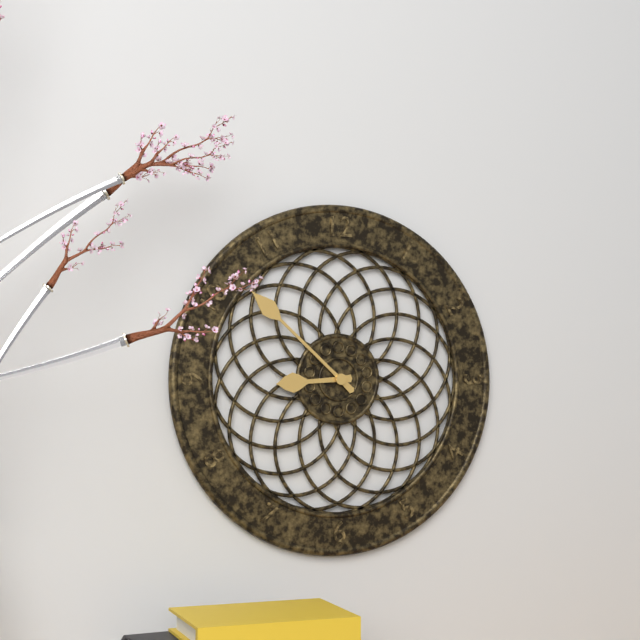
8:52
